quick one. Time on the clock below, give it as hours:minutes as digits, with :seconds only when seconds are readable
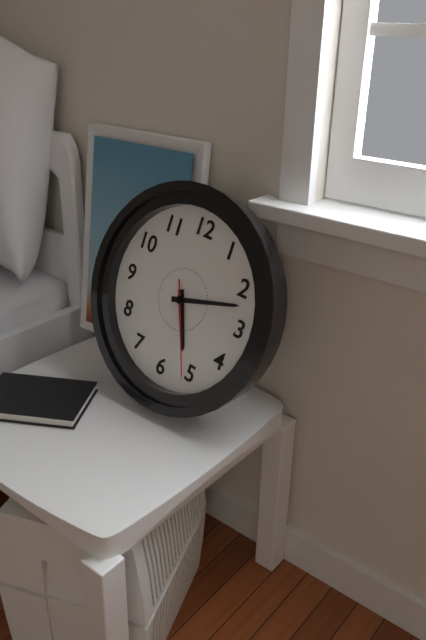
5:12:26
